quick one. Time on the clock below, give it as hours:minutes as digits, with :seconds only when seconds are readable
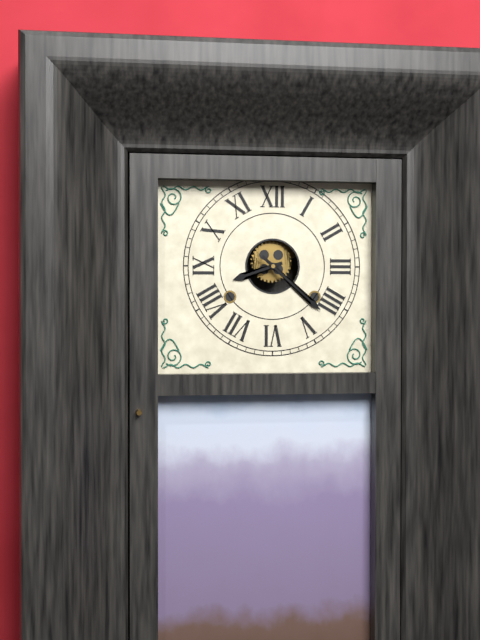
8:22
